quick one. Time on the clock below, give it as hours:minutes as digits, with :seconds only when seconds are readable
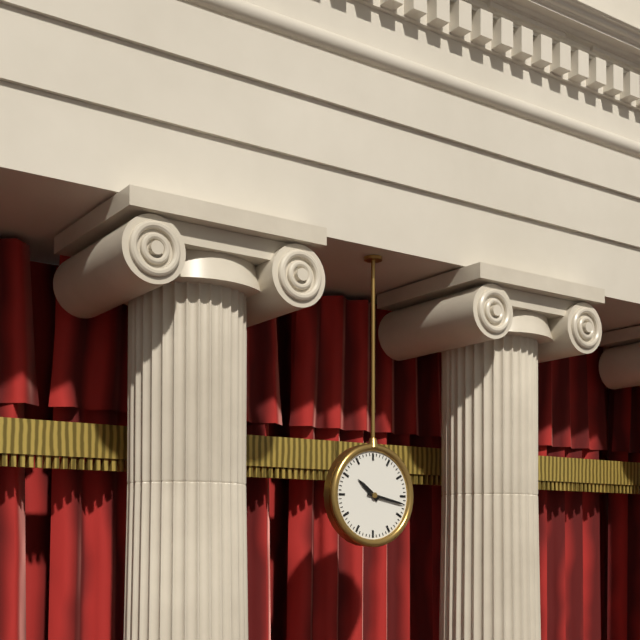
10:17
